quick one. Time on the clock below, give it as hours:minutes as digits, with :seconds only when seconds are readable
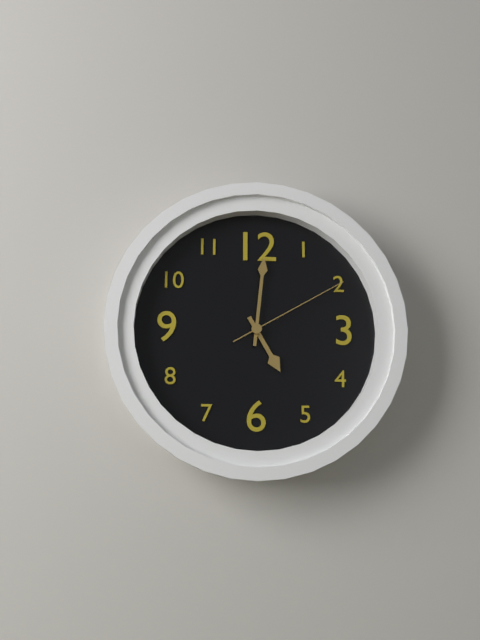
5:01:10
